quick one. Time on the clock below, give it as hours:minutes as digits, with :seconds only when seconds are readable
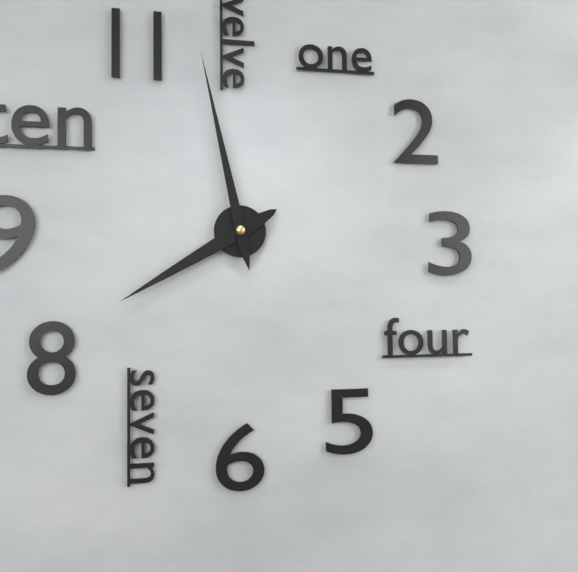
7:58
